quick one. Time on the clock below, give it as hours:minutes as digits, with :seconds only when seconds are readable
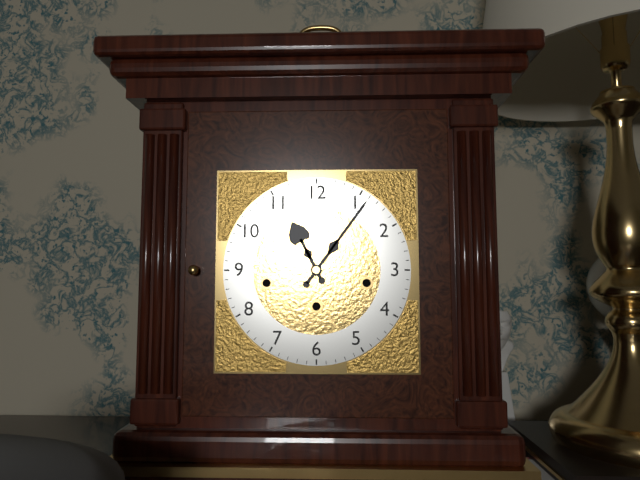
11:06
